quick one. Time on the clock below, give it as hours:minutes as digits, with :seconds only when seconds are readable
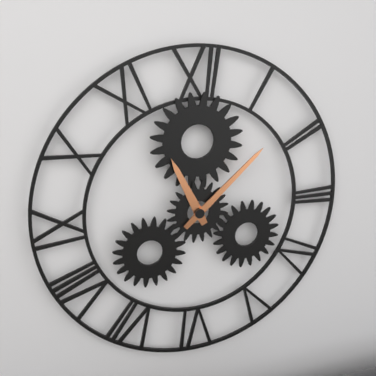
11:08
